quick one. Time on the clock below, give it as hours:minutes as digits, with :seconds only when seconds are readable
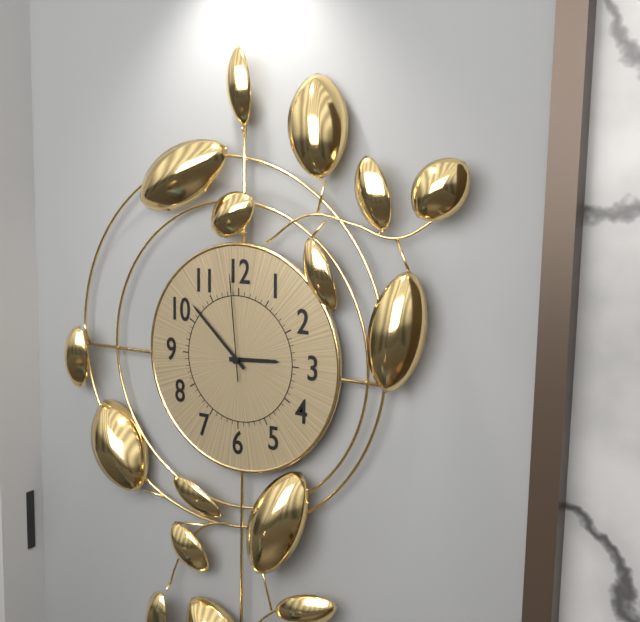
2:52:59
